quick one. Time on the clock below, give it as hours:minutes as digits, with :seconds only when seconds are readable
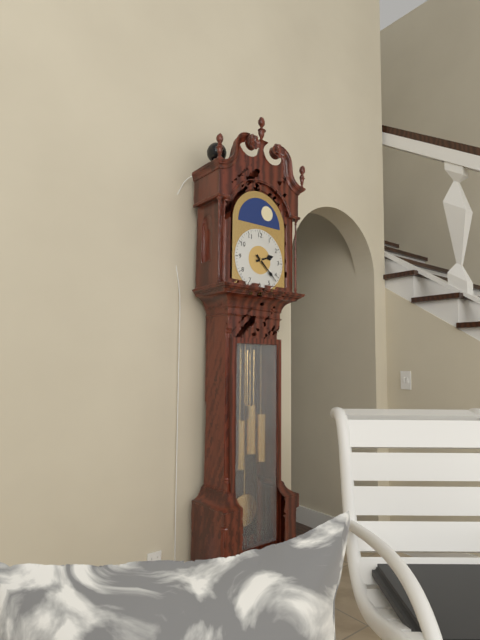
2:22
